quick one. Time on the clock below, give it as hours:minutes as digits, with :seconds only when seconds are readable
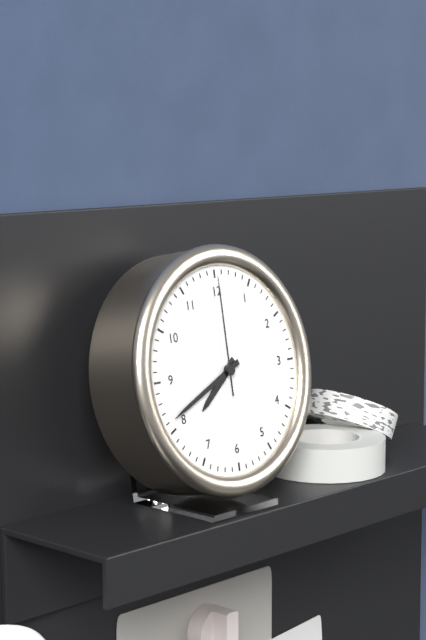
7:41:00
